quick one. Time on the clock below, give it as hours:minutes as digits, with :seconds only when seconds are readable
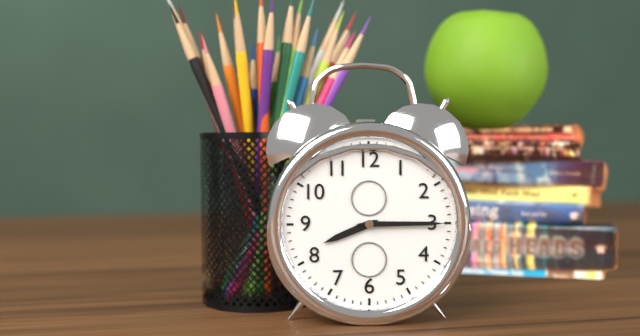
8:15
